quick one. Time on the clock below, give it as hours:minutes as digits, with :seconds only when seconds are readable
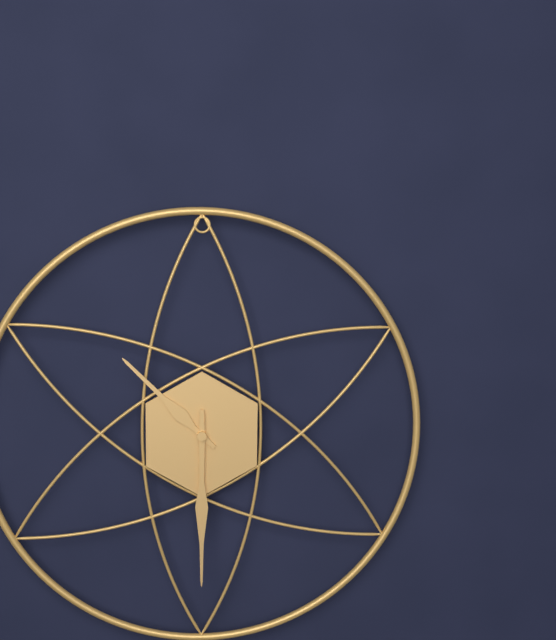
10:30
